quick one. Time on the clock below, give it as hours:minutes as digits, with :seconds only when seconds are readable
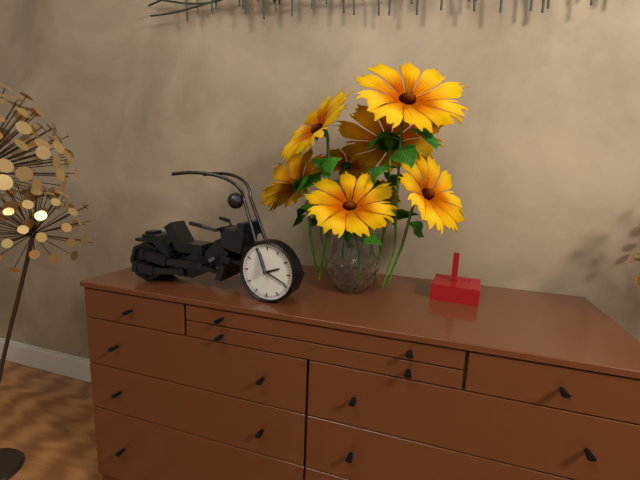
2:19
